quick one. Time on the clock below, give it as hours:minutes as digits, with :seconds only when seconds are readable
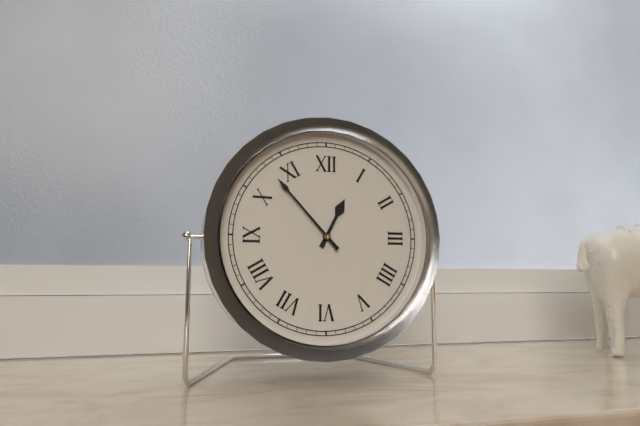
12:53
